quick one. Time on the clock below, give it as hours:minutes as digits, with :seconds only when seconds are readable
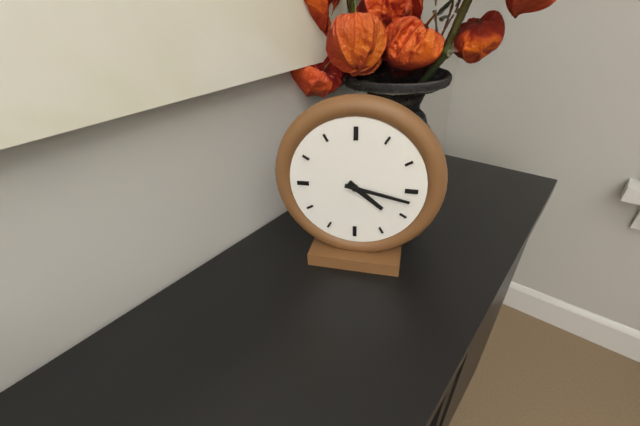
4:17
